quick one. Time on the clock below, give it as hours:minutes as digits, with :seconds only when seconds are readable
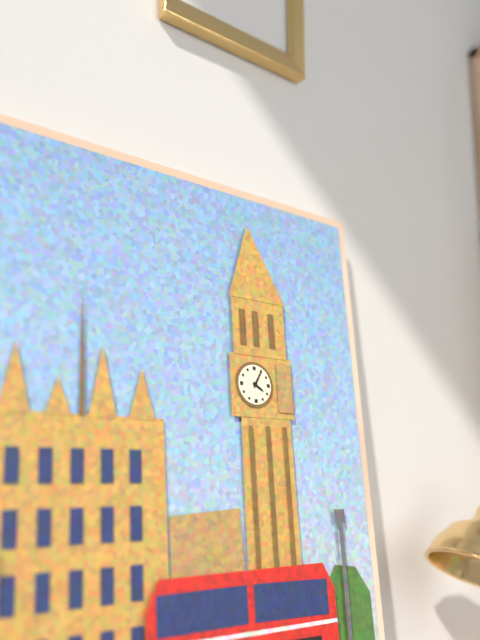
4:05
